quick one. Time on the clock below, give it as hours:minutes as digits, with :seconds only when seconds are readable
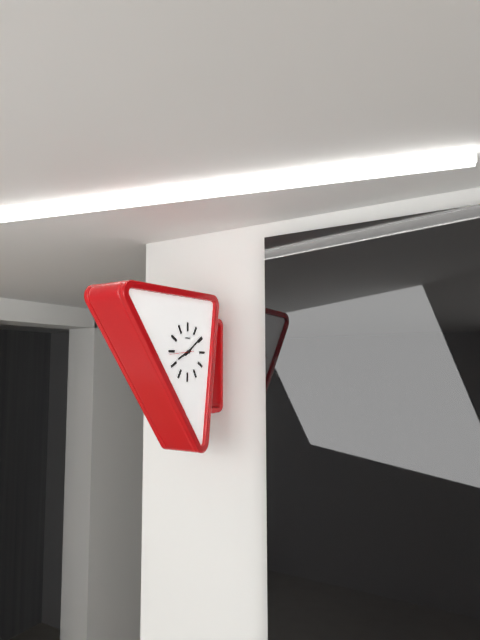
8:09
